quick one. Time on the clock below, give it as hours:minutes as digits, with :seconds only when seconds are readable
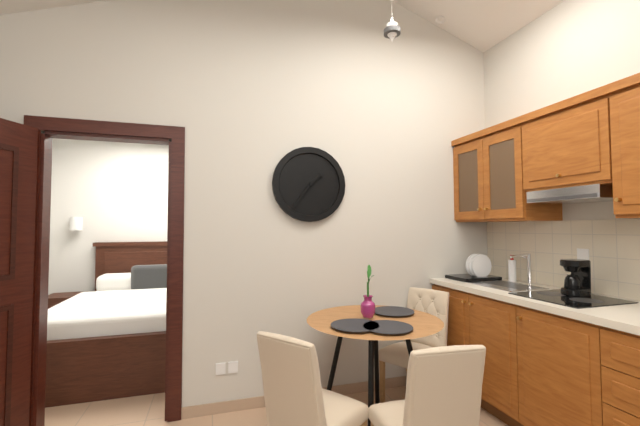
1:36
